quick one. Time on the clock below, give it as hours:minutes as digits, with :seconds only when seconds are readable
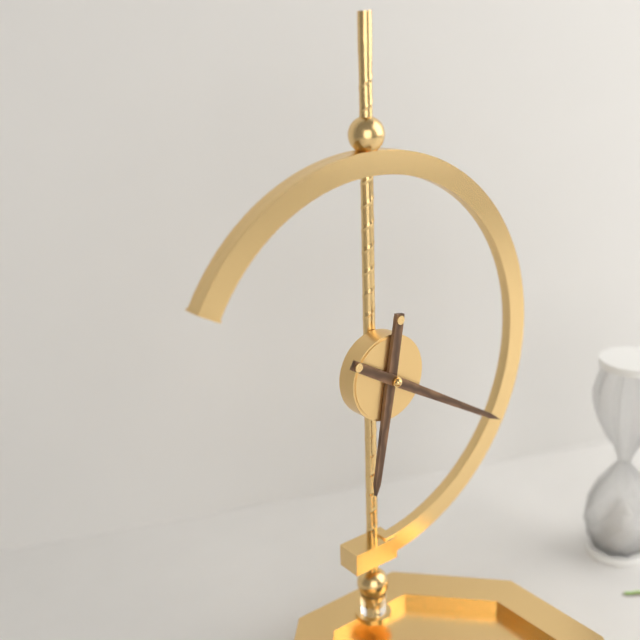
6:20
